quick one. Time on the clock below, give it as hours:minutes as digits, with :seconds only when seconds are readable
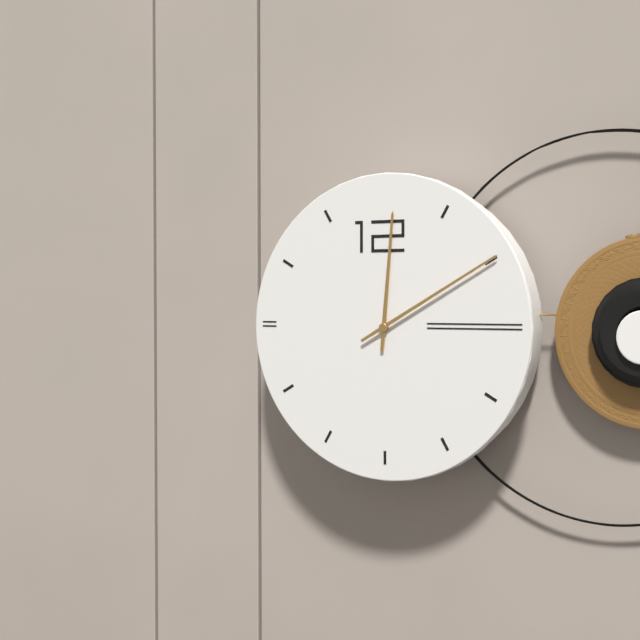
12:10
